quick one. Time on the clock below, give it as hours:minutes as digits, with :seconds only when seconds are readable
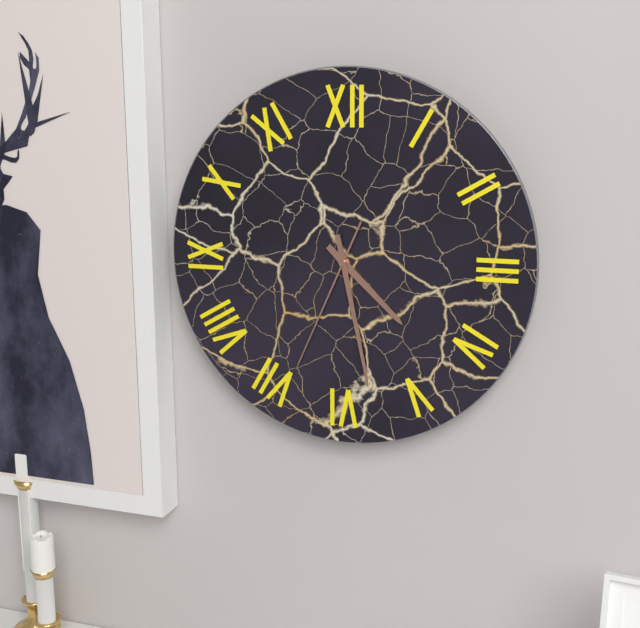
4:28:34
